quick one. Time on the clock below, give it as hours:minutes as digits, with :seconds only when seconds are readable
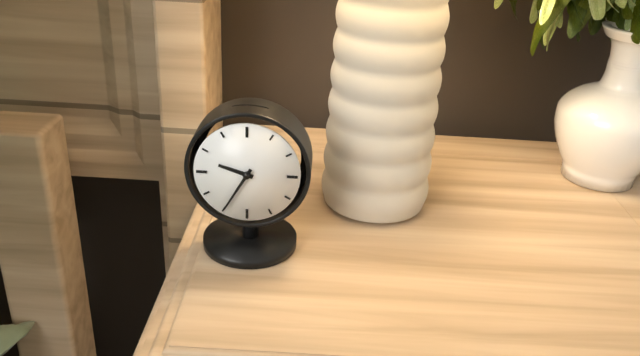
9:35
